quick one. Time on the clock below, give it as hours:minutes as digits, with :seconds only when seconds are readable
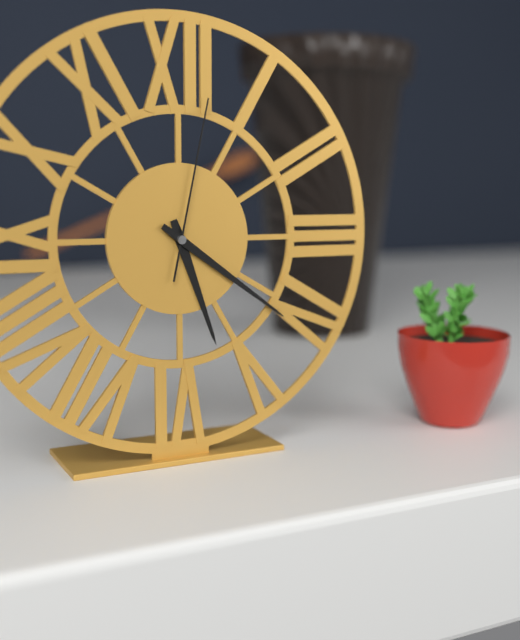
5:21:02
